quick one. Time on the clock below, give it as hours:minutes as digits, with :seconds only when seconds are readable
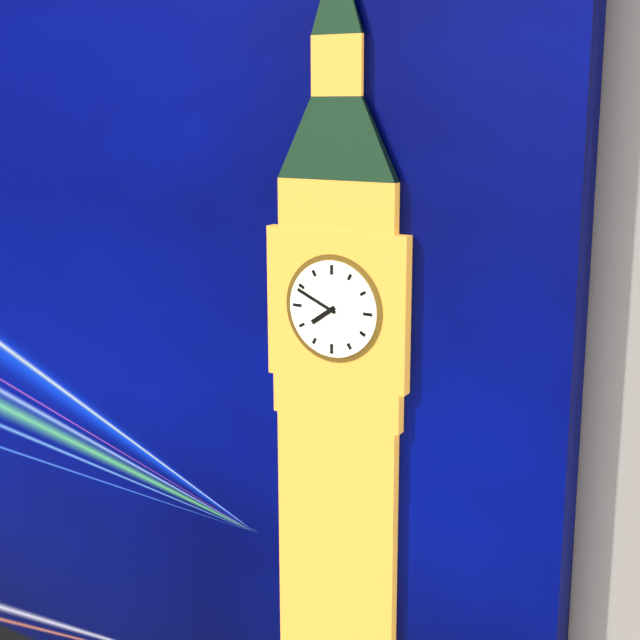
7:49
